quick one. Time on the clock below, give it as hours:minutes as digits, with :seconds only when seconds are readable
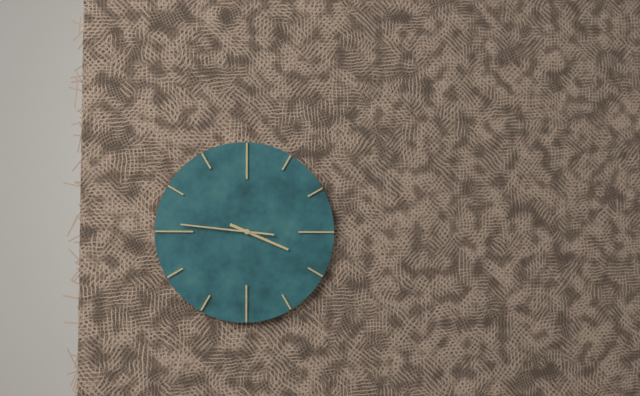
3:46
